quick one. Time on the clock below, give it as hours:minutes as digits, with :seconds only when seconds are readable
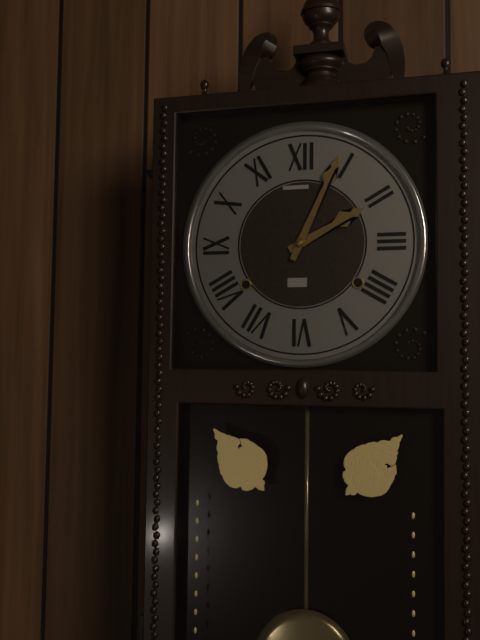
2:04
